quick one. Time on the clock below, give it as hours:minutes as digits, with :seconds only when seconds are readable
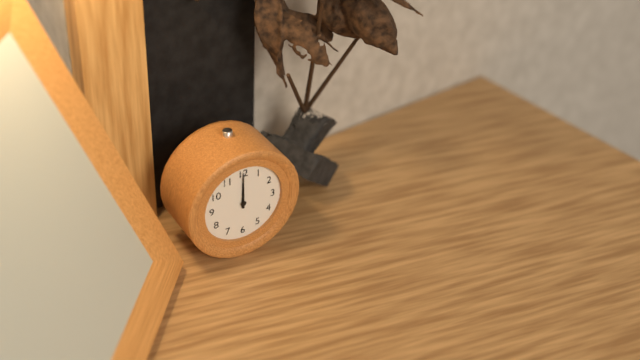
12:00
